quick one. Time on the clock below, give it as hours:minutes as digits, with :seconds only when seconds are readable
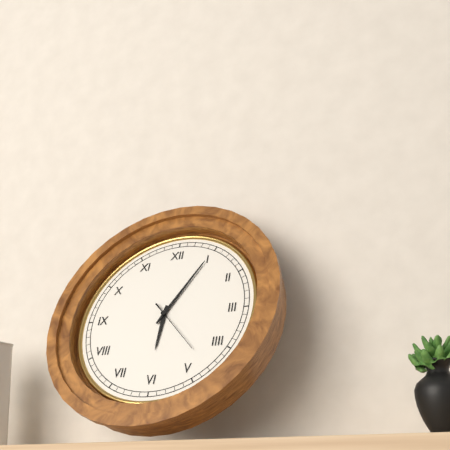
6:05:23
